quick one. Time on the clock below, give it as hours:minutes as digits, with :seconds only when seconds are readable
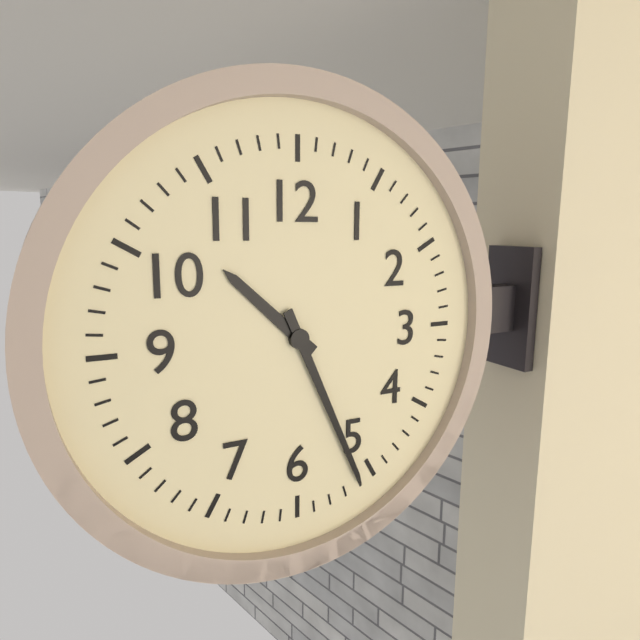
10:26
